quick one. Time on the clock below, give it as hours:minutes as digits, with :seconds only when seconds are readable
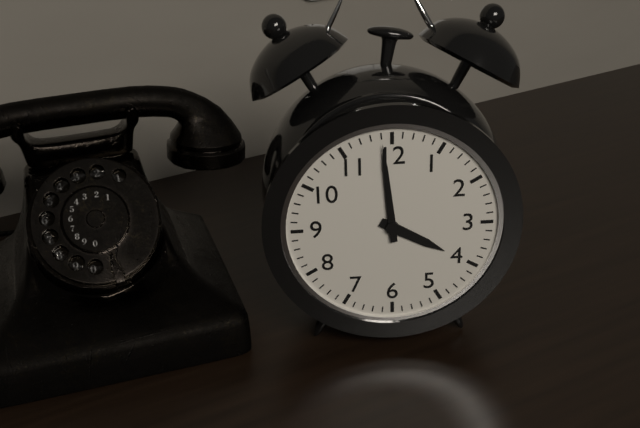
3:59
